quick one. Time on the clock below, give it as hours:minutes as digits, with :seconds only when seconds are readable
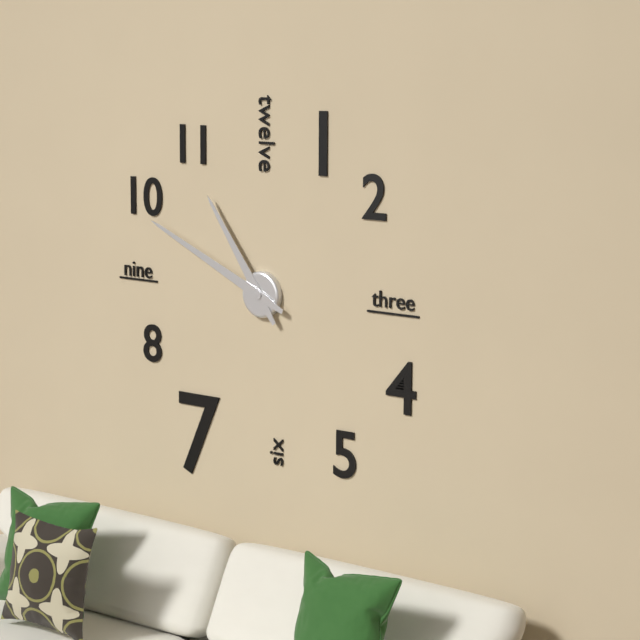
10:49
